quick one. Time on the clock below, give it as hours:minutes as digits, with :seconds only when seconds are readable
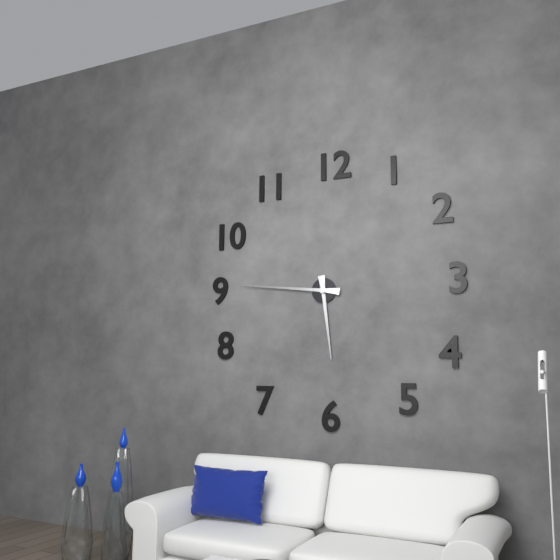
5:46
